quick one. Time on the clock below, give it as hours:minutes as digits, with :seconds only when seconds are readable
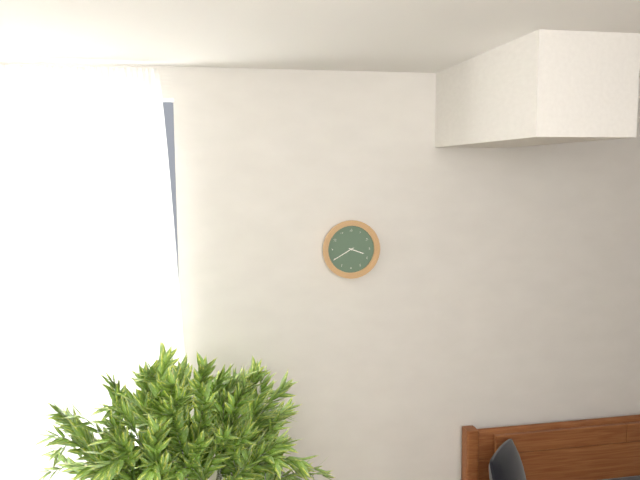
3:40
